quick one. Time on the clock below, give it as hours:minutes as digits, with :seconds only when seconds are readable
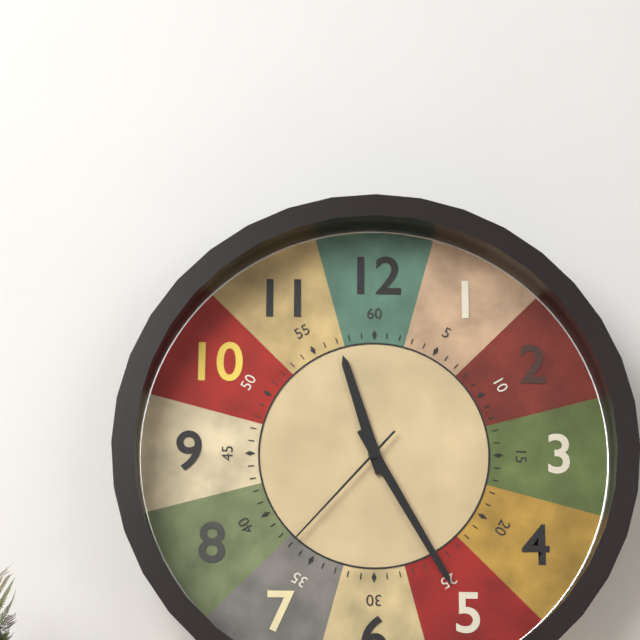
11:25:37
